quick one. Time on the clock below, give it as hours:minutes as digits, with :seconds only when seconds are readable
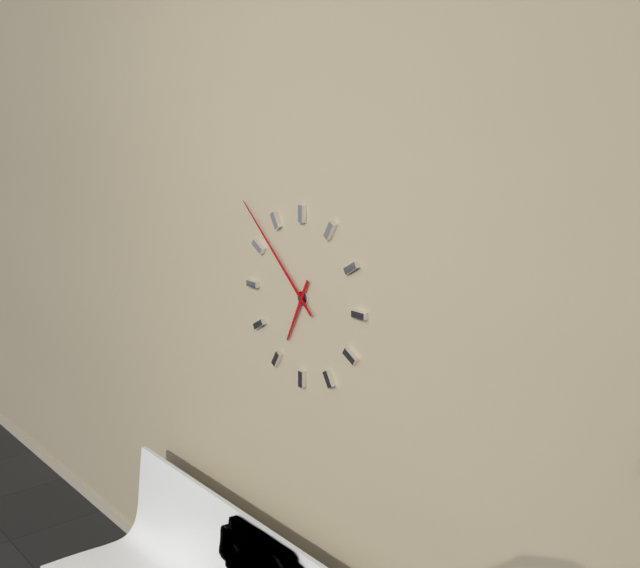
6:52
